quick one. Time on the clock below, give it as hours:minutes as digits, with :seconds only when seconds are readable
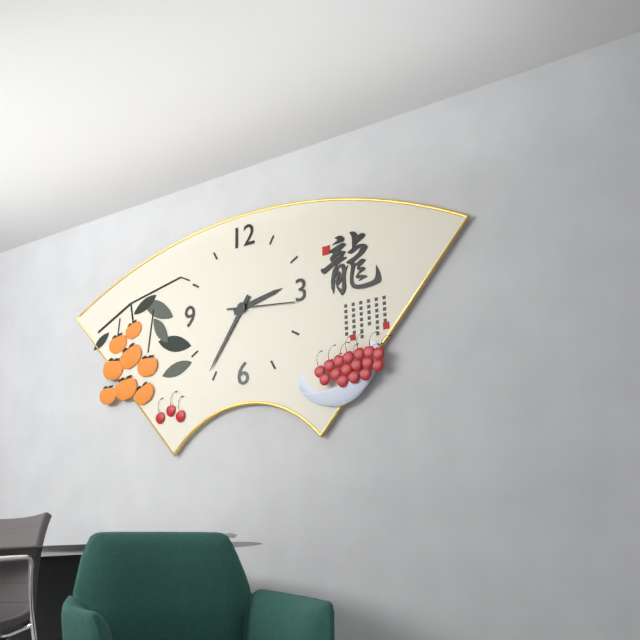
2:36:16
